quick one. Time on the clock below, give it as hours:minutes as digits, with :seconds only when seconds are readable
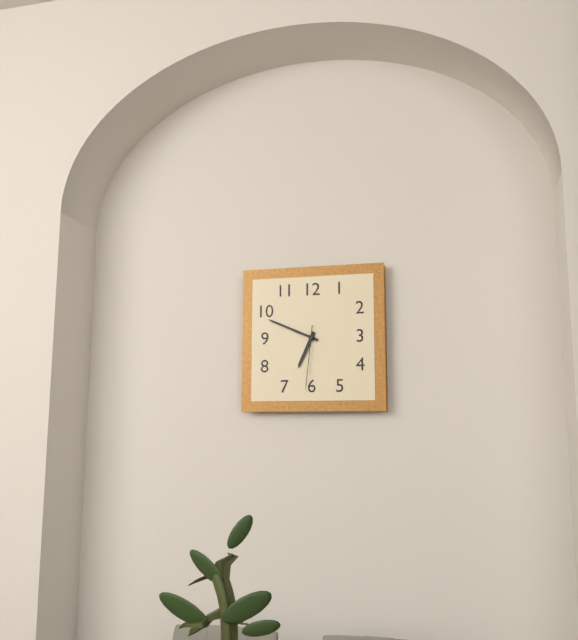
6:49:31
